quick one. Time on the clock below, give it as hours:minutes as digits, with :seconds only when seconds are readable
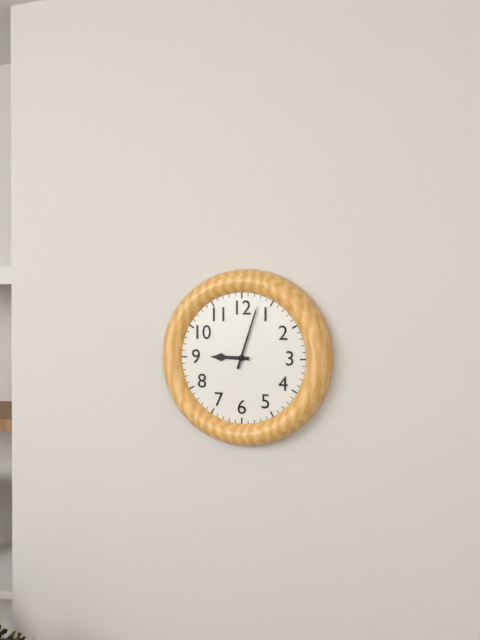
9:03
